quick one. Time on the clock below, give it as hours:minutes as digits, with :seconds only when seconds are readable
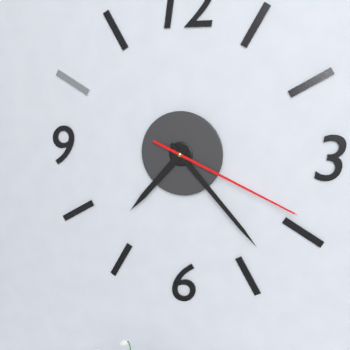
7:23:19
